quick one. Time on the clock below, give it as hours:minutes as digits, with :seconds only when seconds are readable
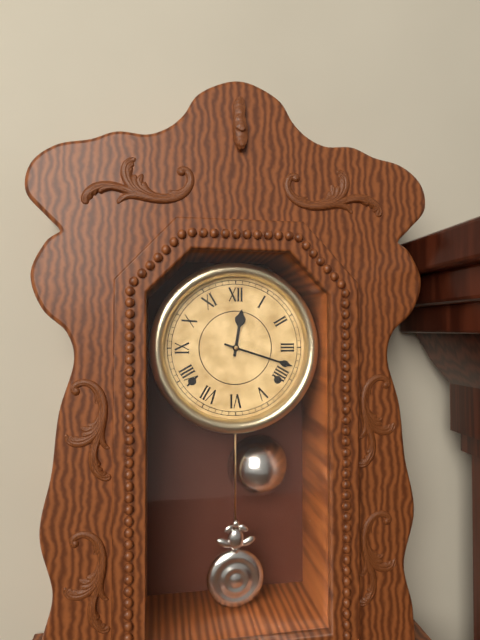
12:18
